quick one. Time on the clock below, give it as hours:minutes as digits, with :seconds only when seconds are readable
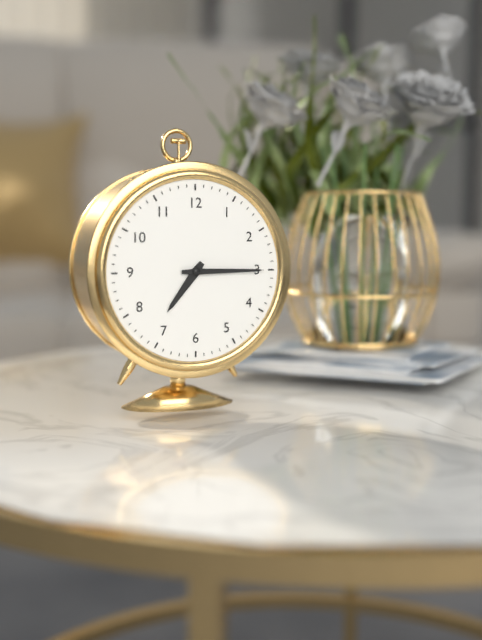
7:15
